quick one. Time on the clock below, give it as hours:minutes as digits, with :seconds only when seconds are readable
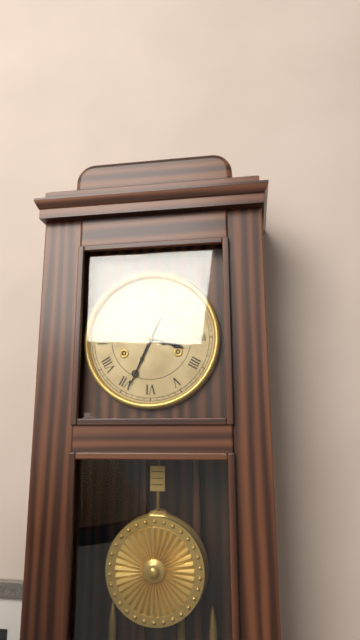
3:34
